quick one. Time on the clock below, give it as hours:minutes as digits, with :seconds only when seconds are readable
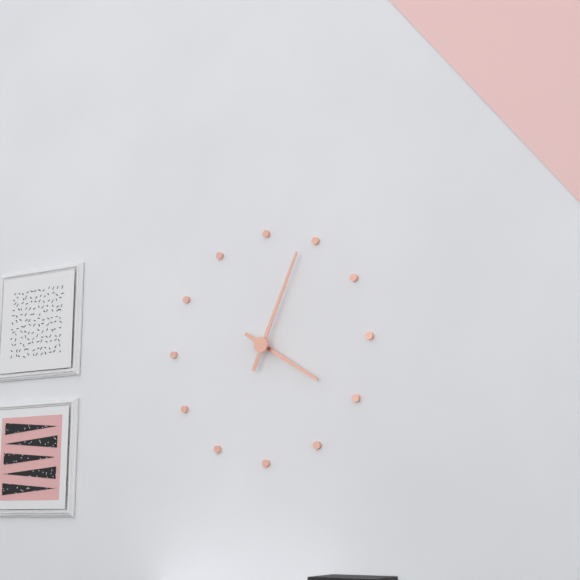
4:04
